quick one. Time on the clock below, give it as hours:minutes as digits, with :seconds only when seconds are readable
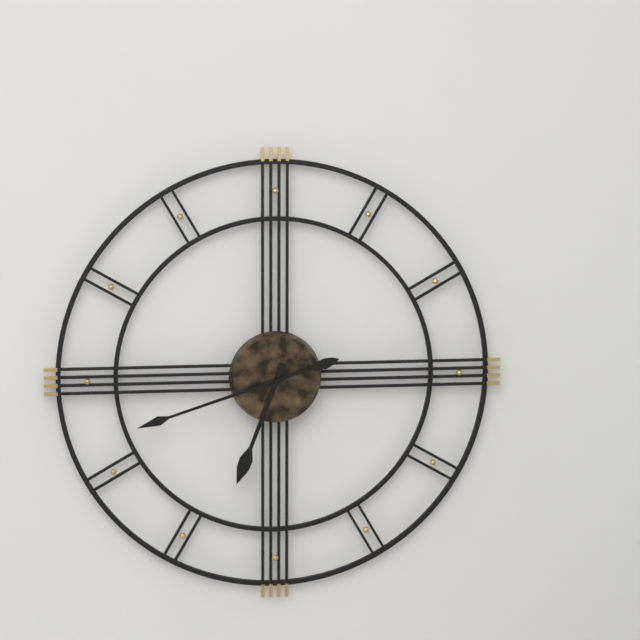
6:42
